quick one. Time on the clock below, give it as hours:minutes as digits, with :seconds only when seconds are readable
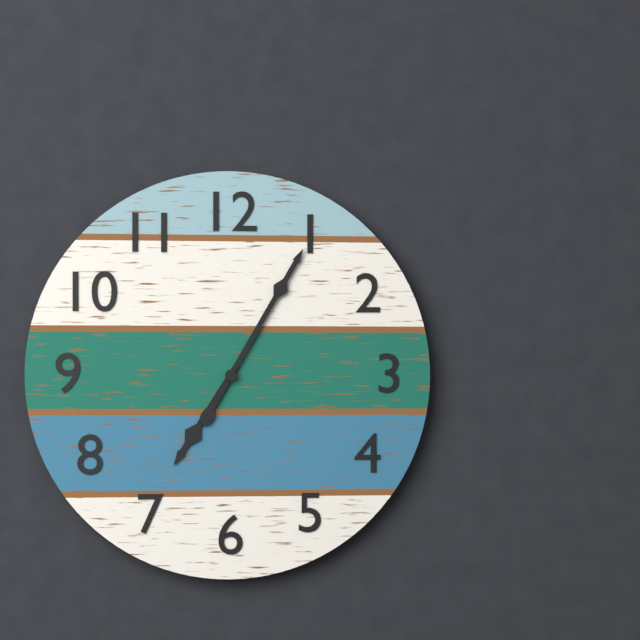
7:05
